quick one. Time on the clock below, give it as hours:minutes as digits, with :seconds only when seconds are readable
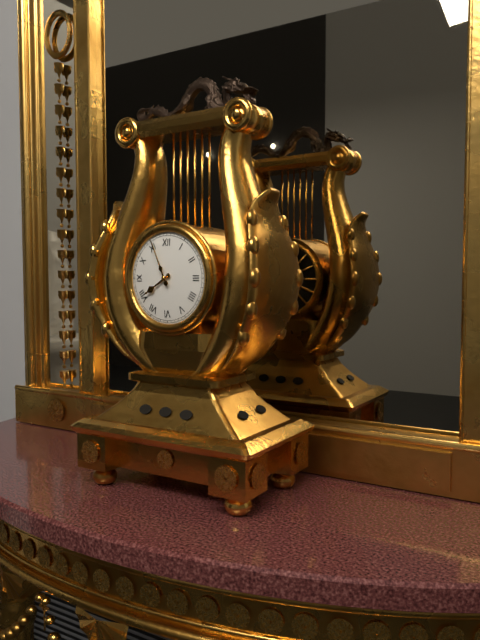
7:56
